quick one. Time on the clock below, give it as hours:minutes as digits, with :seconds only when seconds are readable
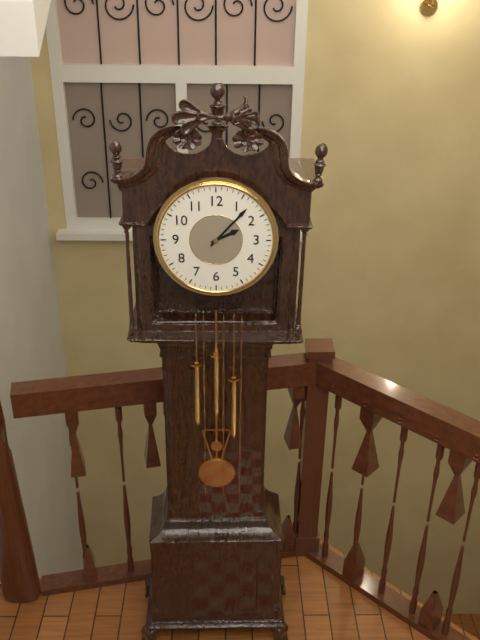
2:07
